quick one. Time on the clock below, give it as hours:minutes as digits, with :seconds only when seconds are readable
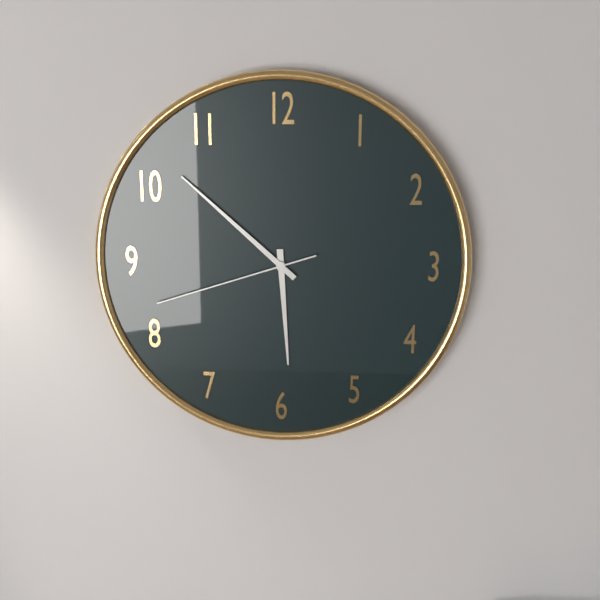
5:52:42
